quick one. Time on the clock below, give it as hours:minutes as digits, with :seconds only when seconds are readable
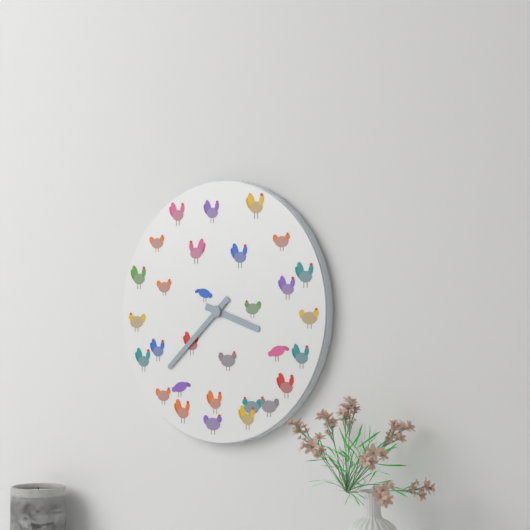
3:38
